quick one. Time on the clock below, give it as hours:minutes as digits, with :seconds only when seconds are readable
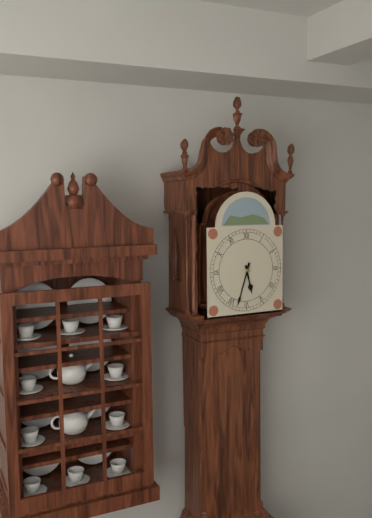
5:33
